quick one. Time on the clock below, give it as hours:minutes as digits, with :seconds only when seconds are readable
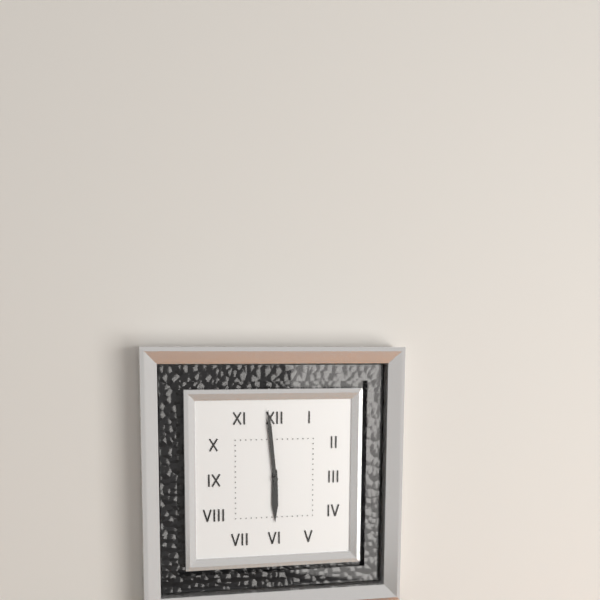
5:59
